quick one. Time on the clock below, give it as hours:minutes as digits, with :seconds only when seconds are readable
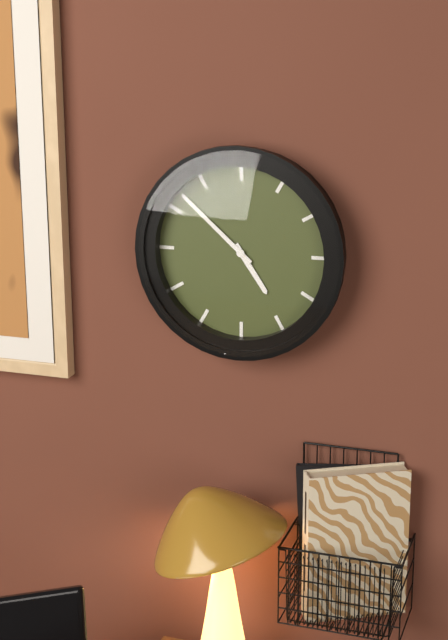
4:52
